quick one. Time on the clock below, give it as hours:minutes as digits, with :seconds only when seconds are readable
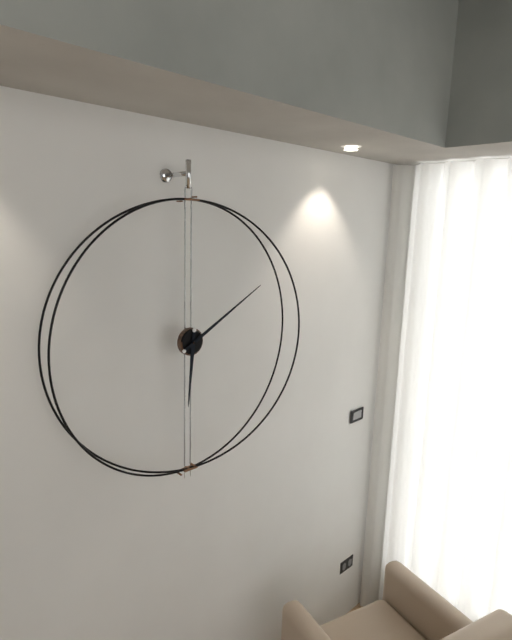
6:10
